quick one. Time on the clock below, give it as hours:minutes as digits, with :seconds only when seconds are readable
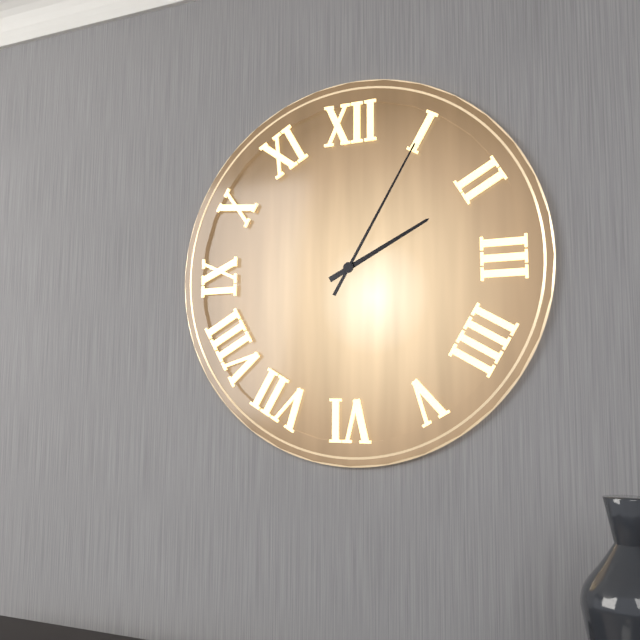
2:05
